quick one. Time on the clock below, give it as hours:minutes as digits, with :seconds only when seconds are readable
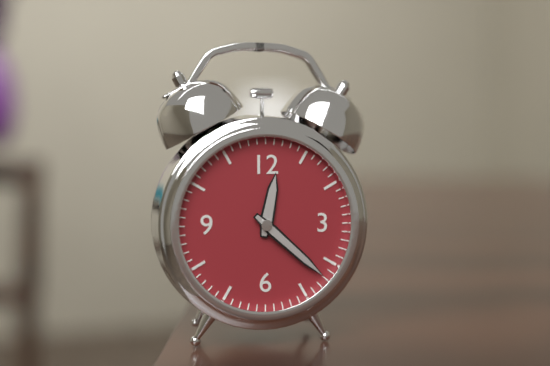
12:22
